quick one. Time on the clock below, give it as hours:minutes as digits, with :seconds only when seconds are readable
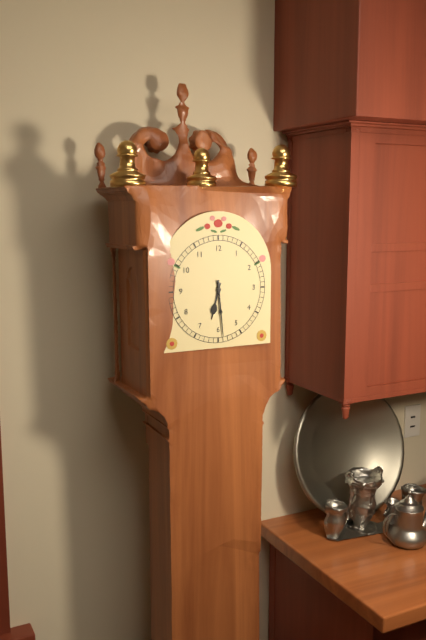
6:29
